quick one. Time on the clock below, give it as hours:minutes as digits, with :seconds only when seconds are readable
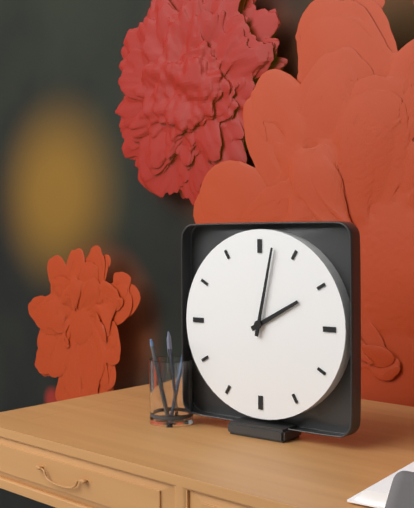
2:02
